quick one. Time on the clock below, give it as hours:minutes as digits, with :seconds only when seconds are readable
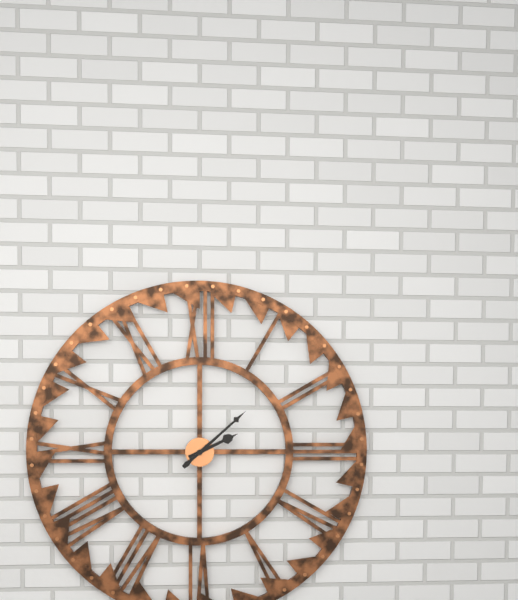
2:08
